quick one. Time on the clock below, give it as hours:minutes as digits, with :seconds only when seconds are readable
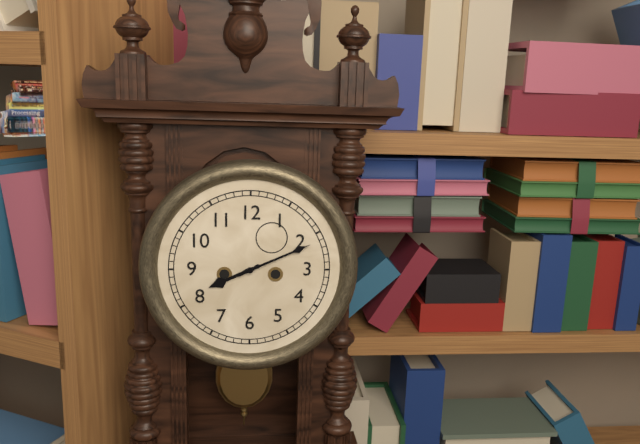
8:11
